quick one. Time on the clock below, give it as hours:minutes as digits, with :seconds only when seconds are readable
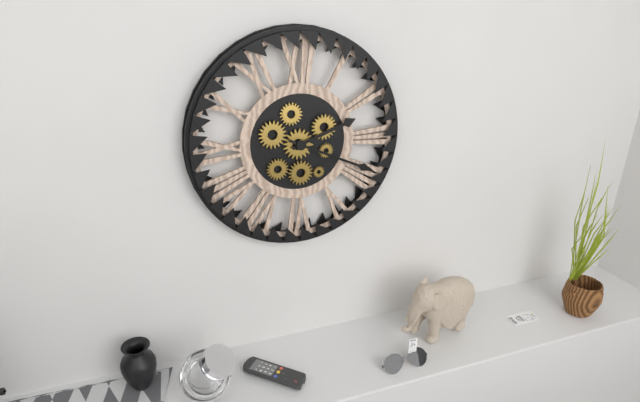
2:19
